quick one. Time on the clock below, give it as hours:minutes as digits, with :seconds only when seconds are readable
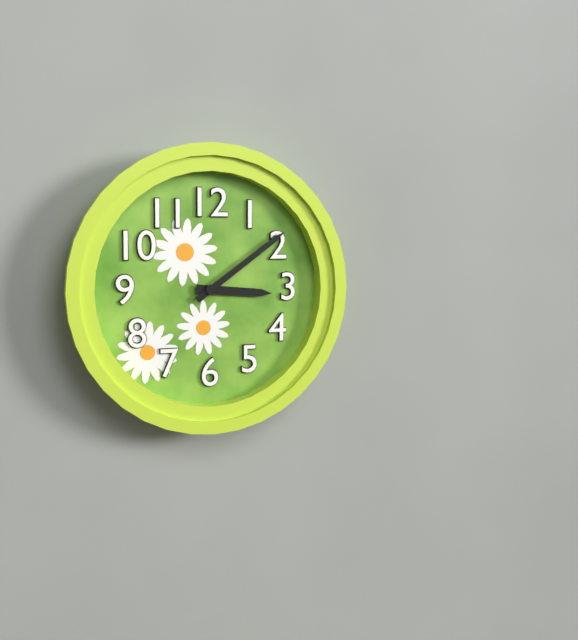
3:09
